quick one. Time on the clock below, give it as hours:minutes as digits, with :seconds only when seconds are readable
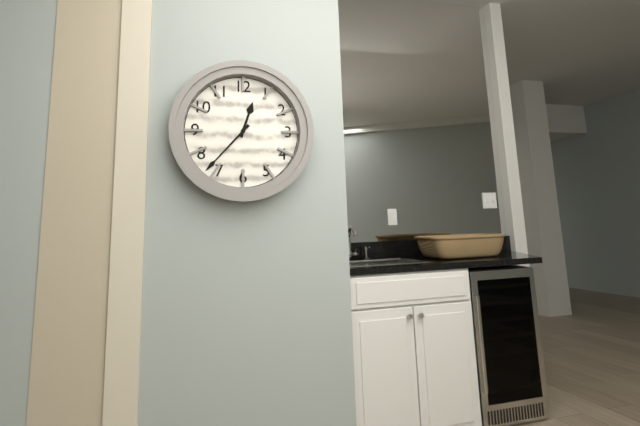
12:37
